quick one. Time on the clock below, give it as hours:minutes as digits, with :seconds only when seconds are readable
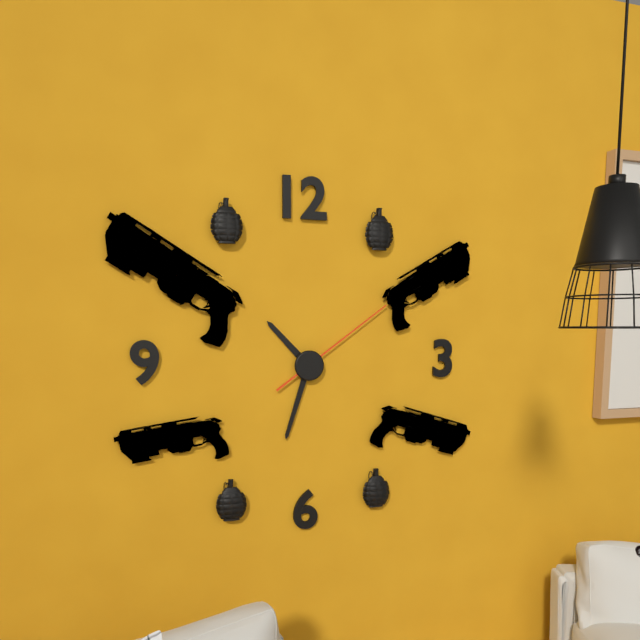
10:33:09
